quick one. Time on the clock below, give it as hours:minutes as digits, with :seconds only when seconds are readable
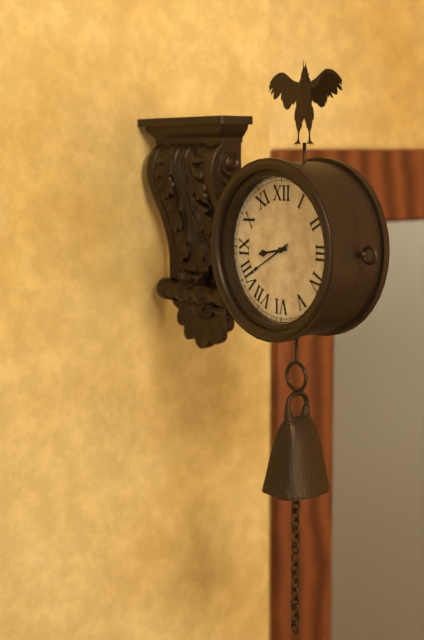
8:40
